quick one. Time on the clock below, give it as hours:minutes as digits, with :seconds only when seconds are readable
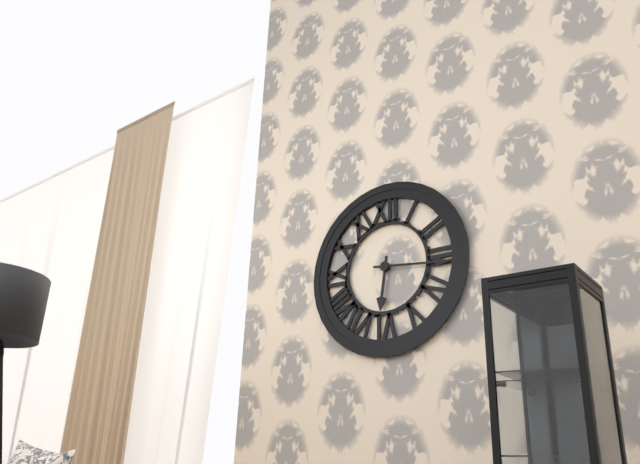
6:16
